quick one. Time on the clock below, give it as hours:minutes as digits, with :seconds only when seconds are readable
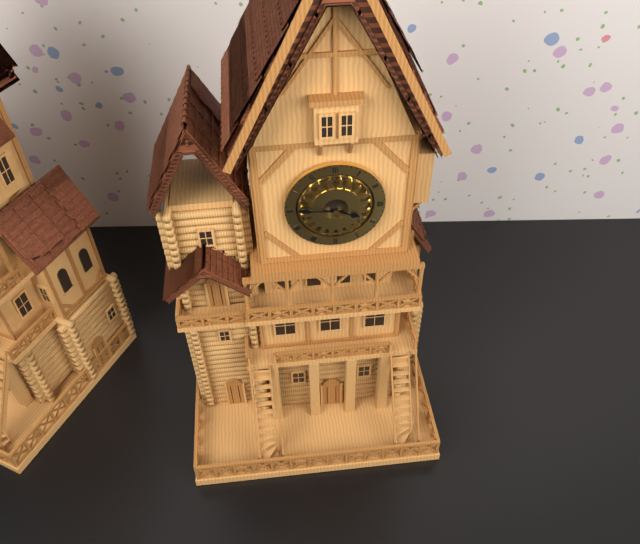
3:46
